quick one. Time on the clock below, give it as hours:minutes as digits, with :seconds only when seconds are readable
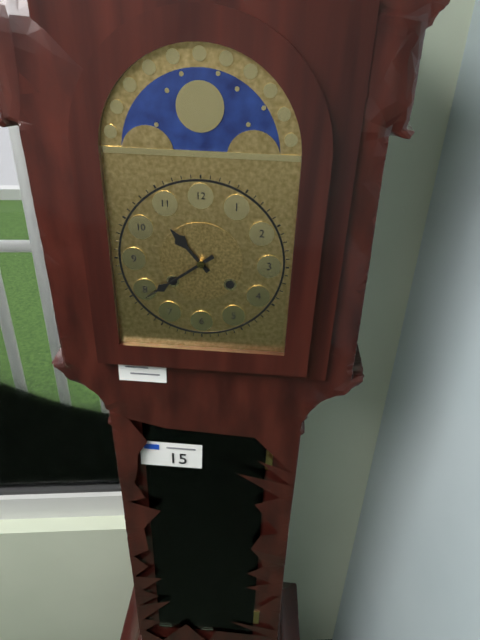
10:39
